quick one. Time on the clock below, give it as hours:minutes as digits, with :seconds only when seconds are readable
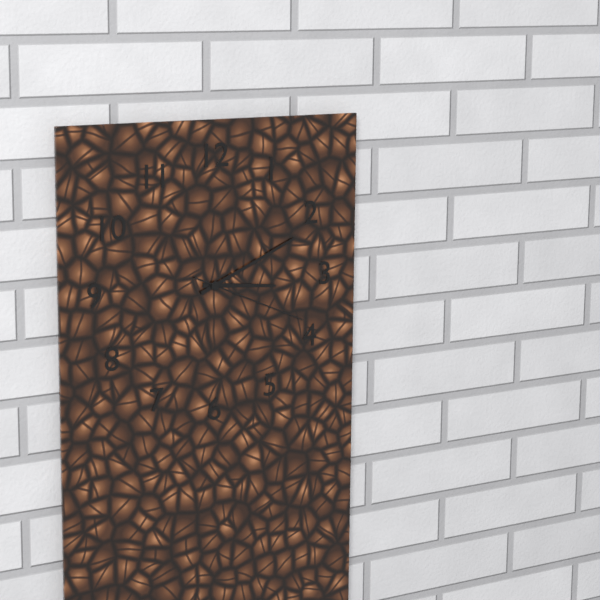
3:11:19
